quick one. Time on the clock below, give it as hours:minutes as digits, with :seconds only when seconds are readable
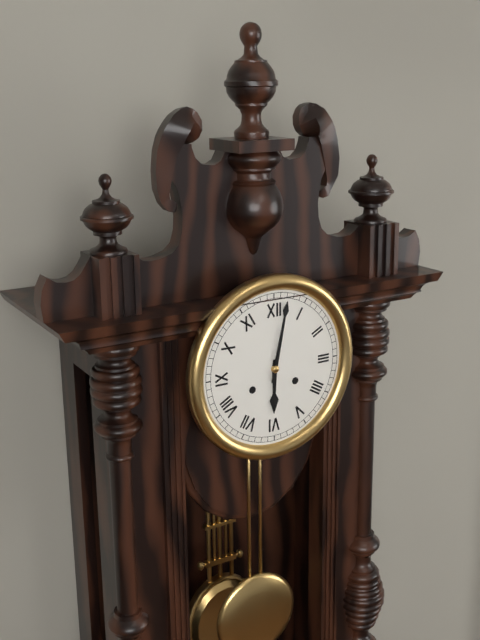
6:02
